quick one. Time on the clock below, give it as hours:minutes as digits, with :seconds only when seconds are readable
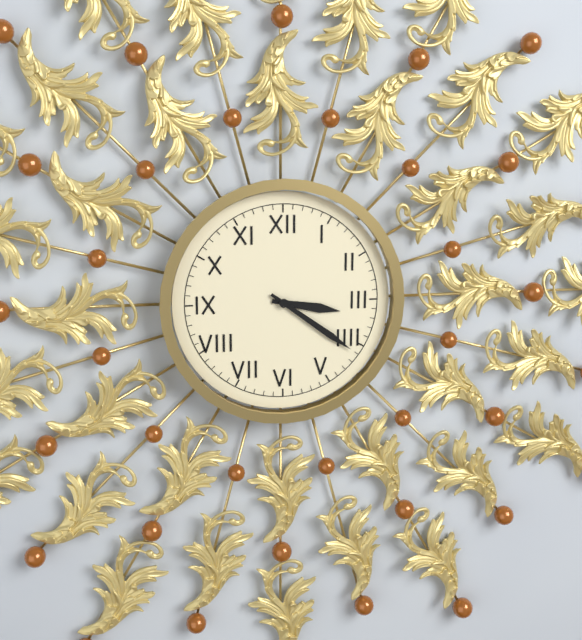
3:21
